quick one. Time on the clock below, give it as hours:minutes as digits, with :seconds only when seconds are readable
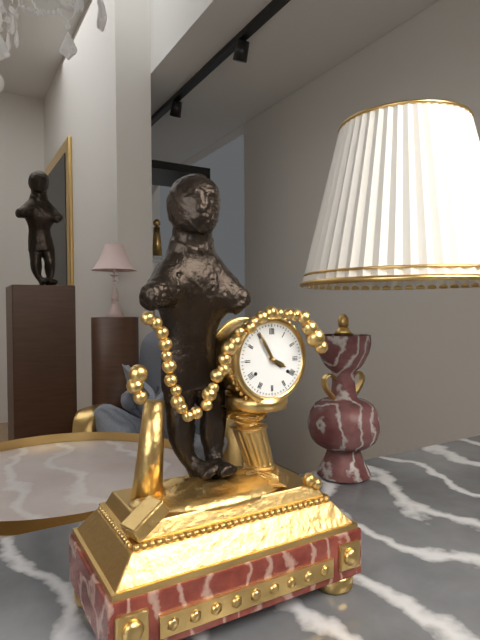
3:55
